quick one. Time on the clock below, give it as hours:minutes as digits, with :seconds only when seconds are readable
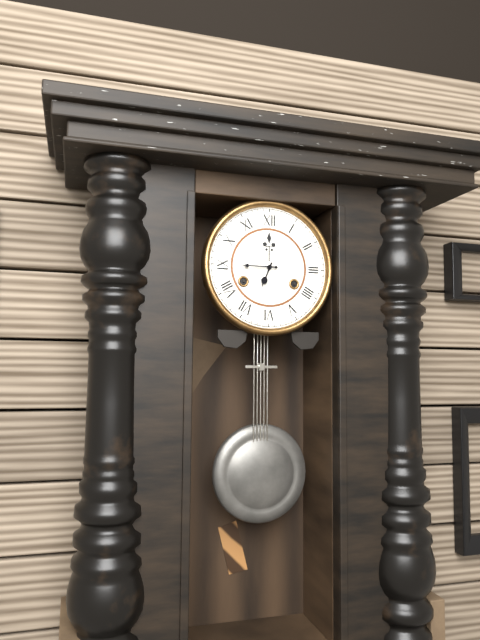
6:45
